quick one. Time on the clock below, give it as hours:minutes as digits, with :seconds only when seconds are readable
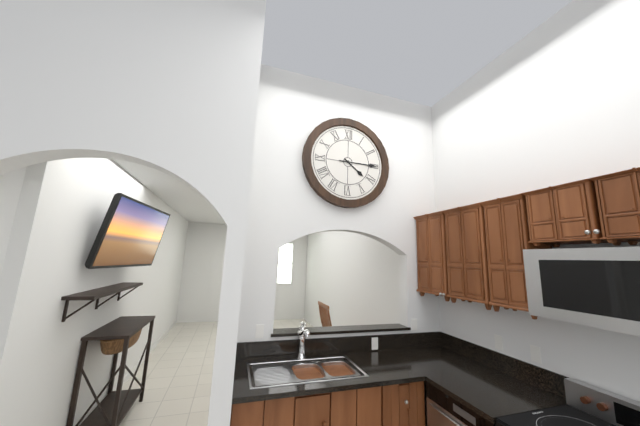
4:15
